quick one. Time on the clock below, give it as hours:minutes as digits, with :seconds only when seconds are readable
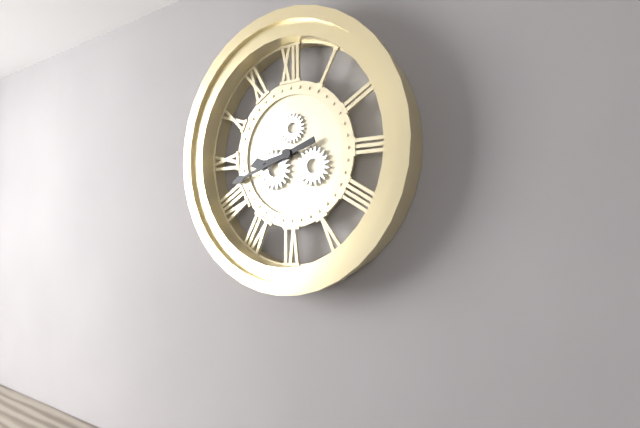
8:42
